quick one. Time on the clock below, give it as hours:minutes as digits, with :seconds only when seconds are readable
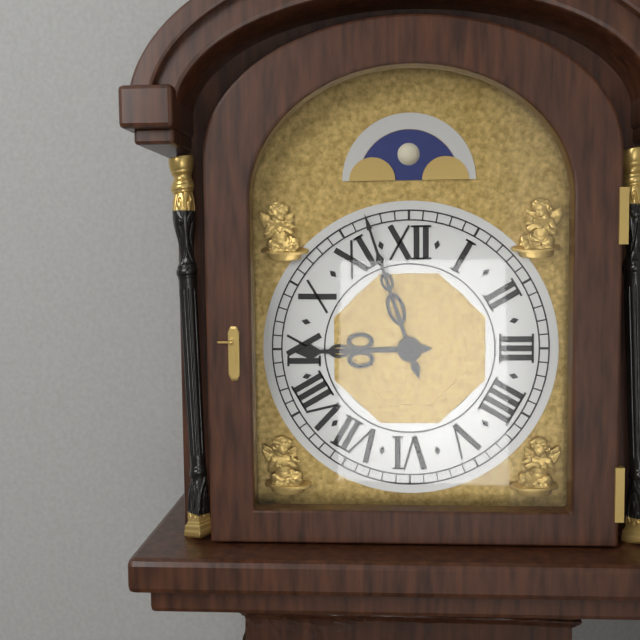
8:57
